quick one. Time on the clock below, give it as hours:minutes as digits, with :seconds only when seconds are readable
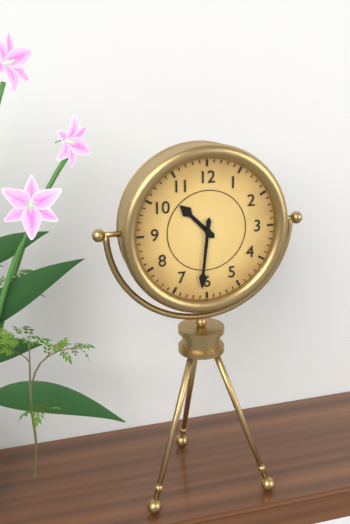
10:31
